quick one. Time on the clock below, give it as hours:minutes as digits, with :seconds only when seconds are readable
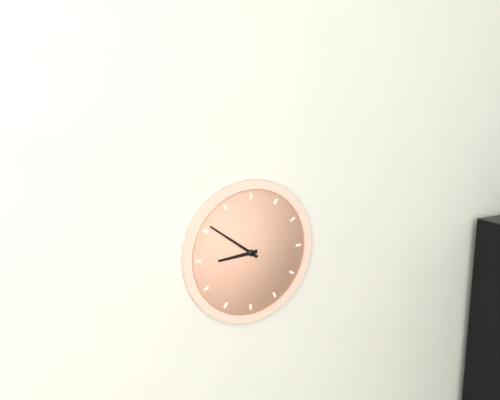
8:51
